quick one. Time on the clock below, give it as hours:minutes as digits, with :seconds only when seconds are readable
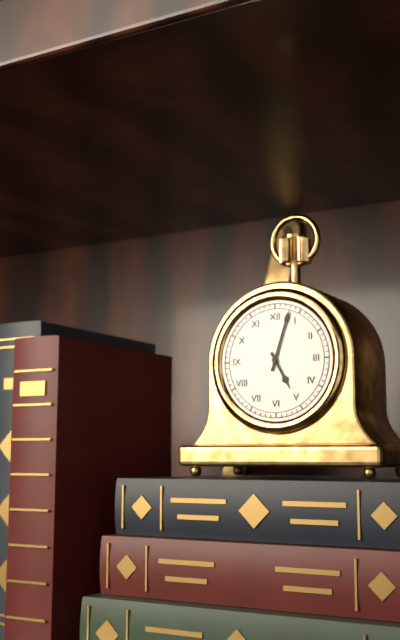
5:03
